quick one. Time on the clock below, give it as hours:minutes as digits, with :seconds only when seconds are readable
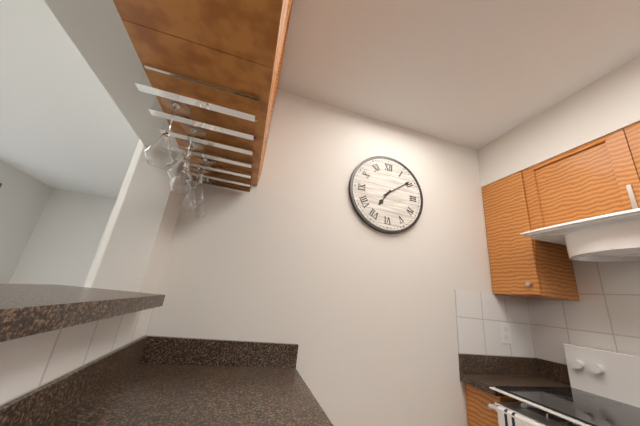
7:09
